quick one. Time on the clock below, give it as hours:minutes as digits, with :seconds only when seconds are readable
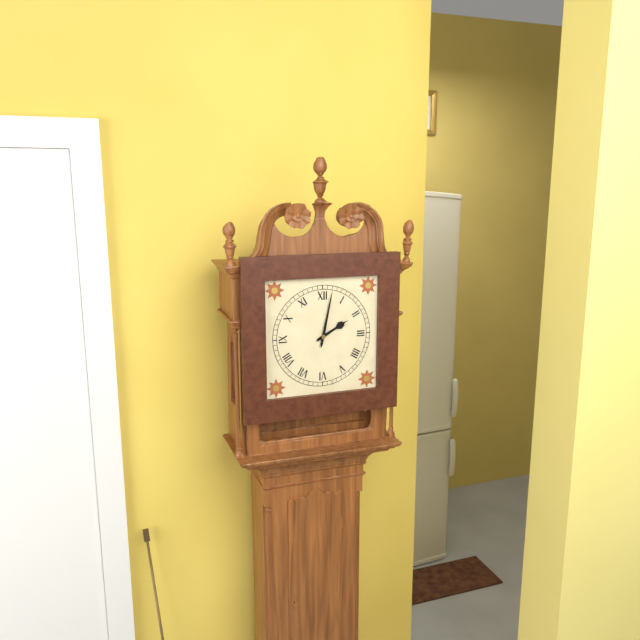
2:02
